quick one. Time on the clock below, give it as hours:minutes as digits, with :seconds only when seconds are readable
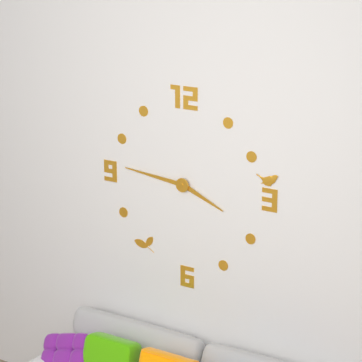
3:46
